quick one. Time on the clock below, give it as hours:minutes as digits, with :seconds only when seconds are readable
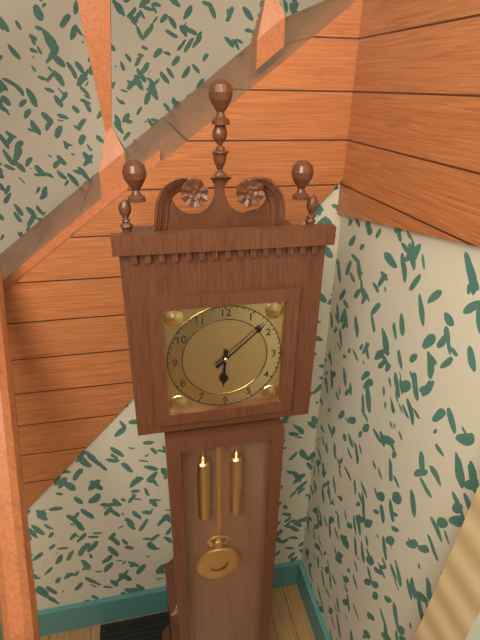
6:08
